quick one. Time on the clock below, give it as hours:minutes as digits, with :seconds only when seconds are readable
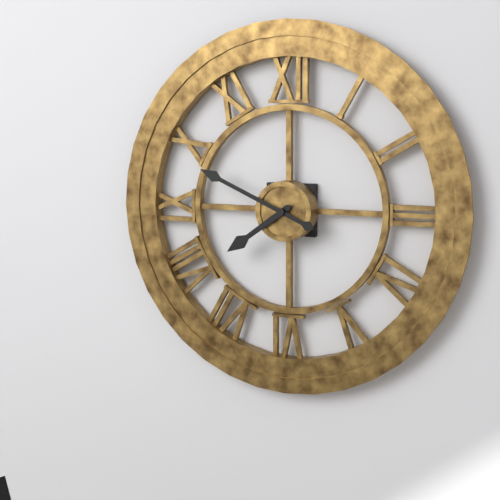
7:49
